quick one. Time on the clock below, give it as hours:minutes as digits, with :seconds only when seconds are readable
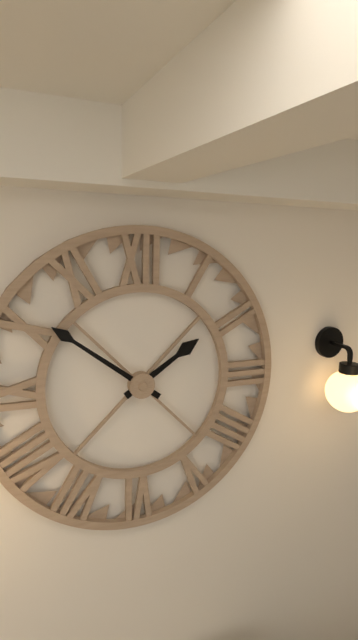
1:51
